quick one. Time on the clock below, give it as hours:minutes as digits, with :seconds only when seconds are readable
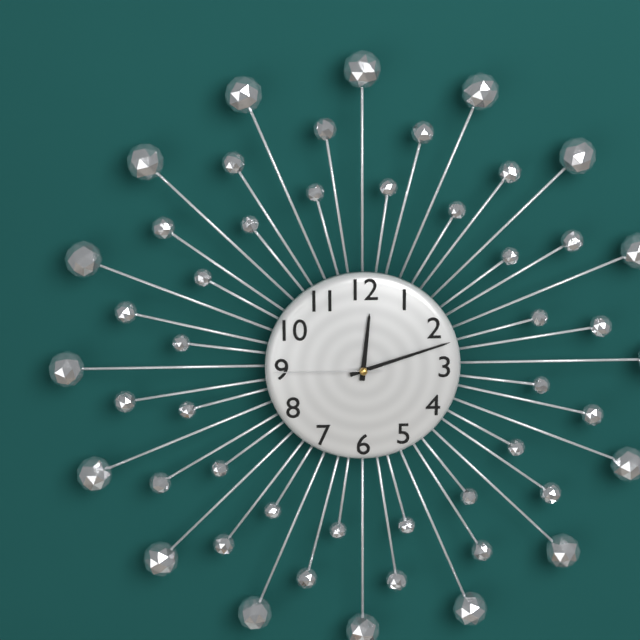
12:12:45
